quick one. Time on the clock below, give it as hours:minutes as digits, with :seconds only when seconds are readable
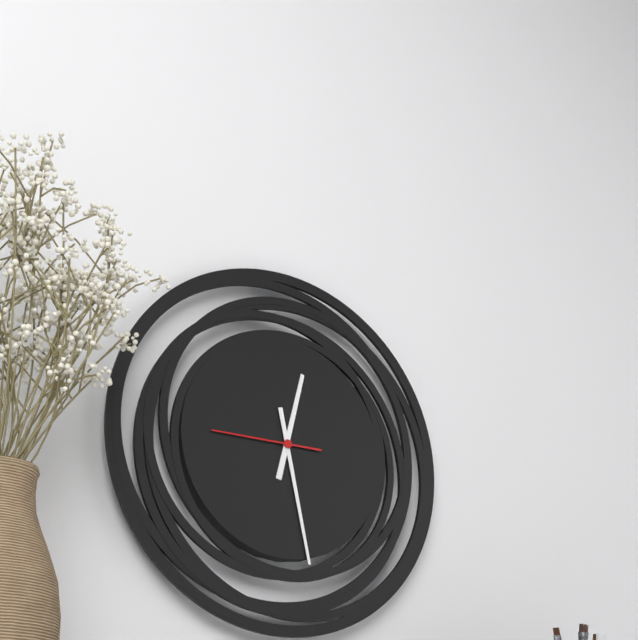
12:28:45
